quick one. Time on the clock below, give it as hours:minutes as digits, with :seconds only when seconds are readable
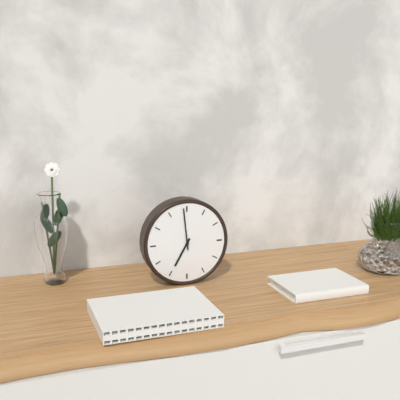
6:59
